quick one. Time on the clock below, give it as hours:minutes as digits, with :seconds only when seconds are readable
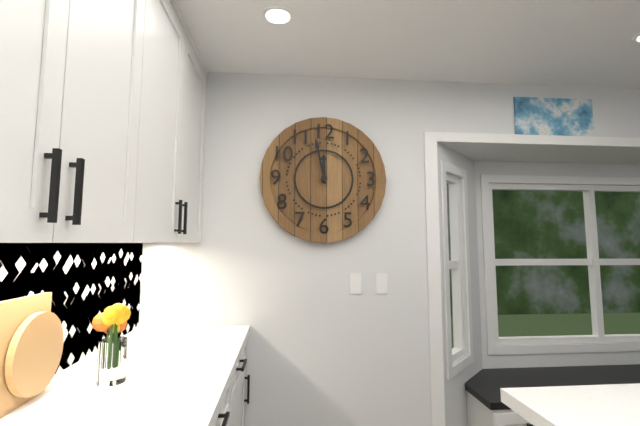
11:58
